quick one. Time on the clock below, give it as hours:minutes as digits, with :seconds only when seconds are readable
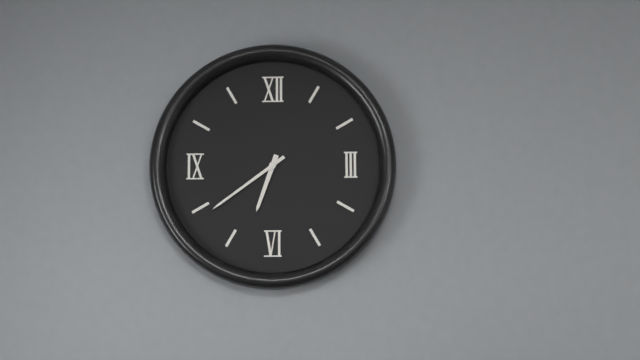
6:39
